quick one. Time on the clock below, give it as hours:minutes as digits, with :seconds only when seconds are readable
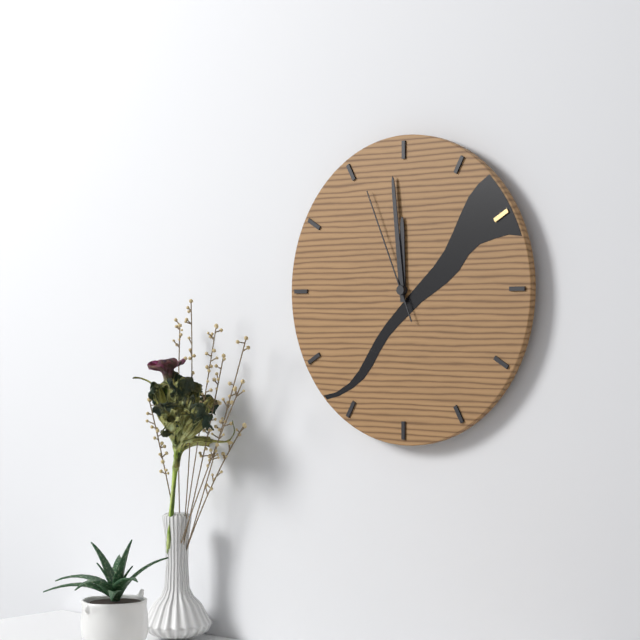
11:59:56
